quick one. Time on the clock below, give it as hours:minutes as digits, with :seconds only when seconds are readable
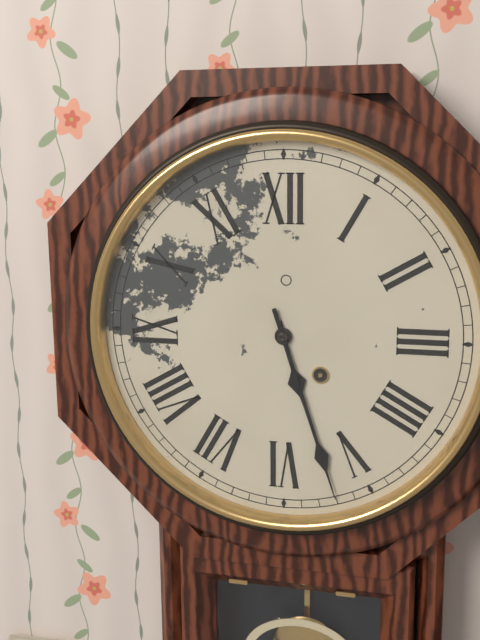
5:27
